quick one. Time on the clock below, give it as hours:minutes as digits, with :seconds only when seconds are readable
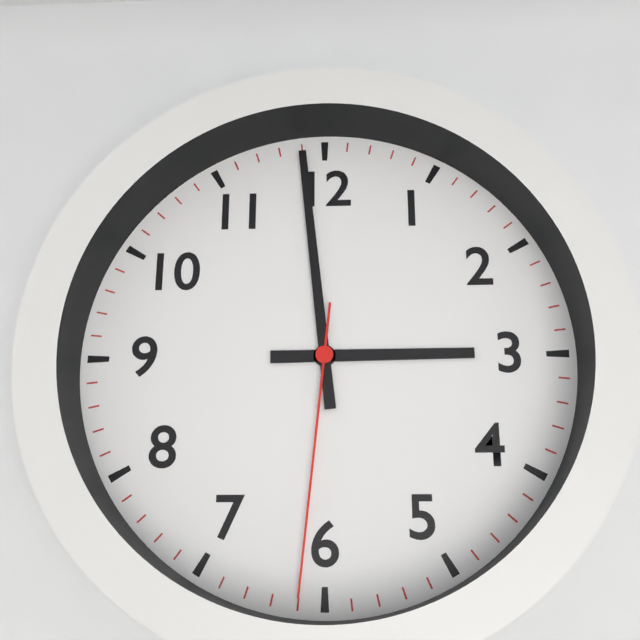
2:59:31
